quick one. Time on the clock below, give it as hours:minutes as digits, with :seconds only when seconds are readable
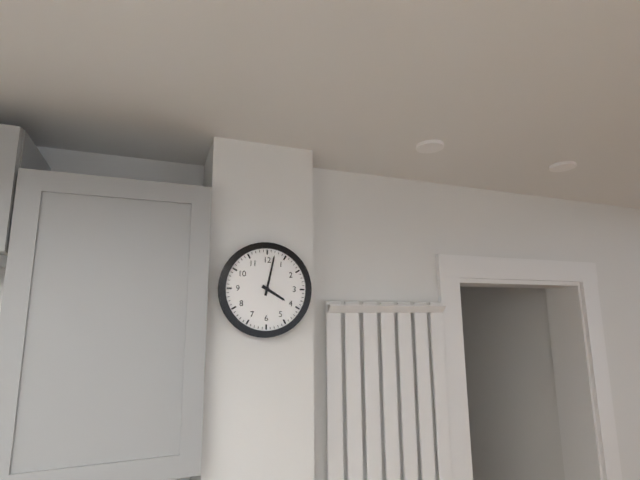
4:02
